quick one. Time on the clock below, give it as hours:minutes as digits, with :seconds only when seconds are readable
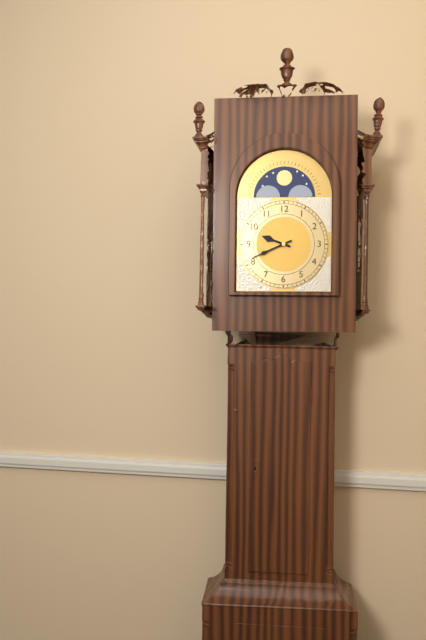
9:41
